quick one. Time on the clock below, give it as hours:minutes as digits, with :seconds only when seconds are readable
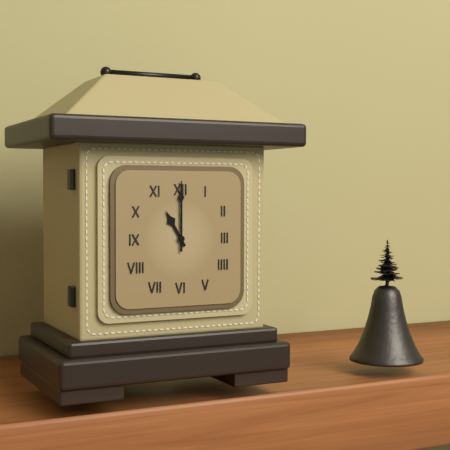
11:00
